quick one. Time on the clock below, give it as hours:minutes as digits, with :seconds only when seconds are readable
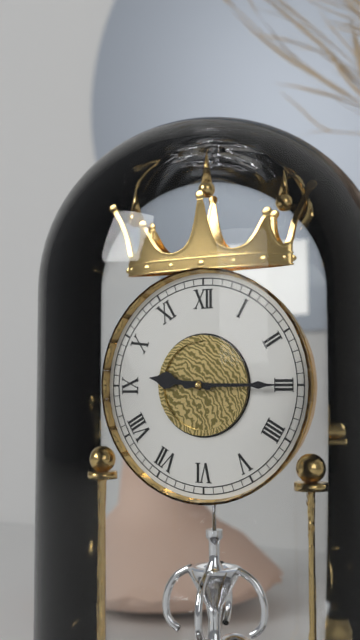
9:15
